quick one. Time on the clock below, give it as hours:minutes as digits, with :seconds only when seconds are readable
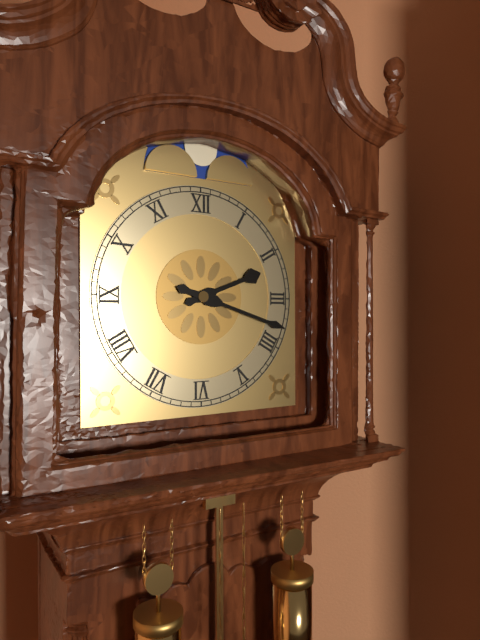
2:18
